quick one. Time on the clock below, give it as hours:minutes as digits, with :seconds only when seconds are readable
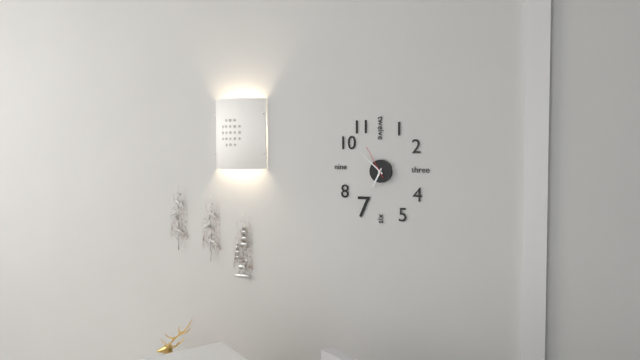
6:52
